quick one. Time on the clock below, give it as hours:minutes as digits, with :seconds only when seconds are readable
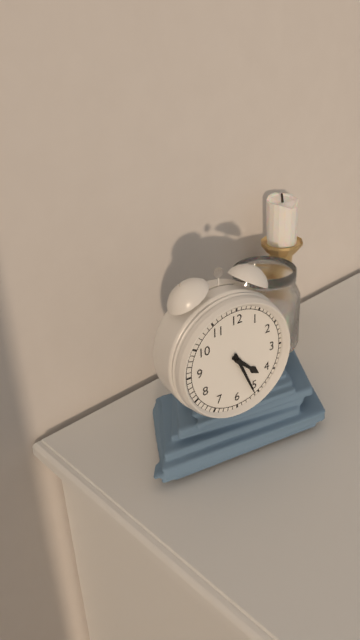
4:26
